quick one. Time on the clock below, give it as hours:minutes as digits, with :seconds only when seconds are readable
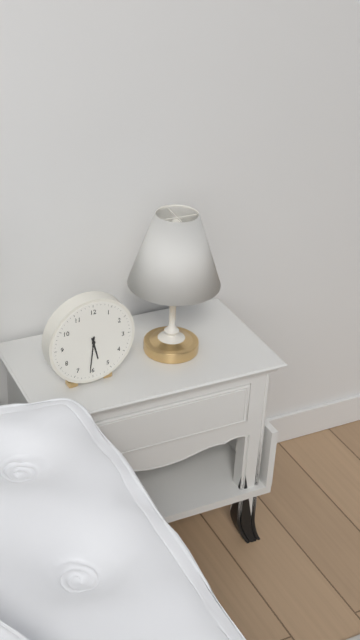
5:31
